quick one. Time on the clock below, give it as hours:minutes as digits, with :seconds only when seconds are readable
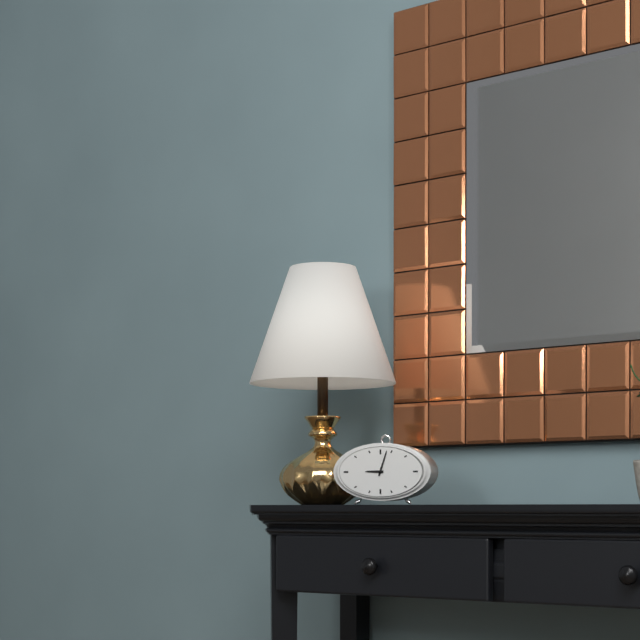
9:03
